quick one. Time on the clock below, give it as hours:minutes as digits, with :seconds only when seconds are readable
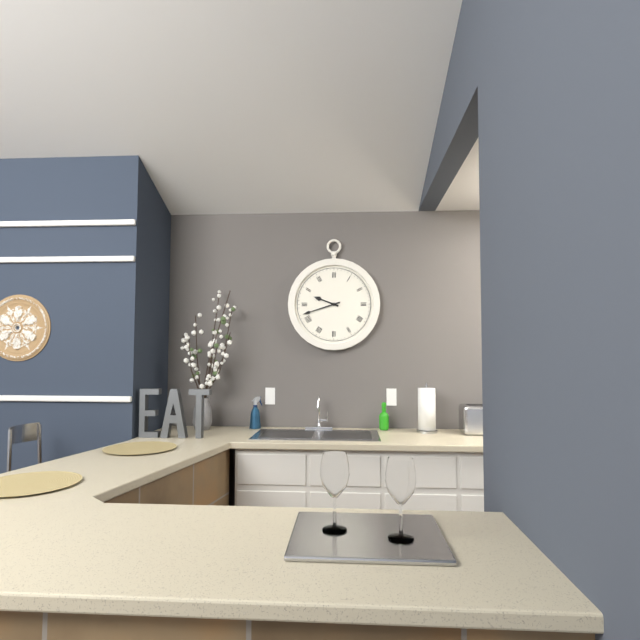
9:42
